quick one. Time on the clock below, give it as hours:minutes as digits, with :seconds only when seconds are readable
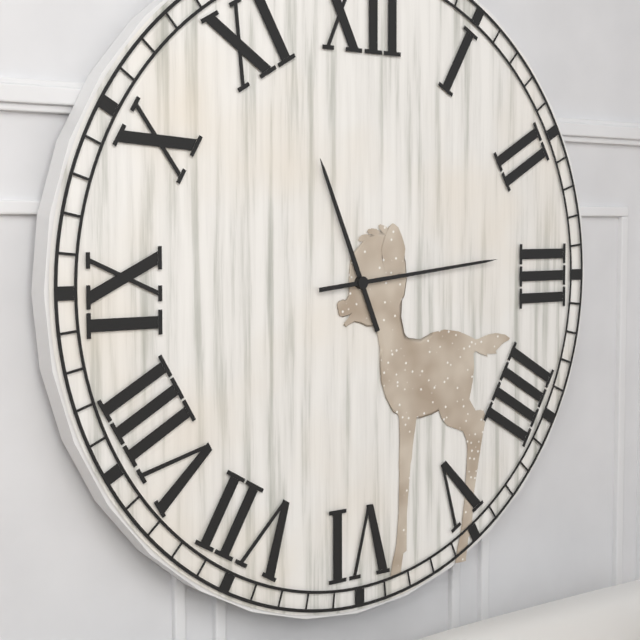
11:14
